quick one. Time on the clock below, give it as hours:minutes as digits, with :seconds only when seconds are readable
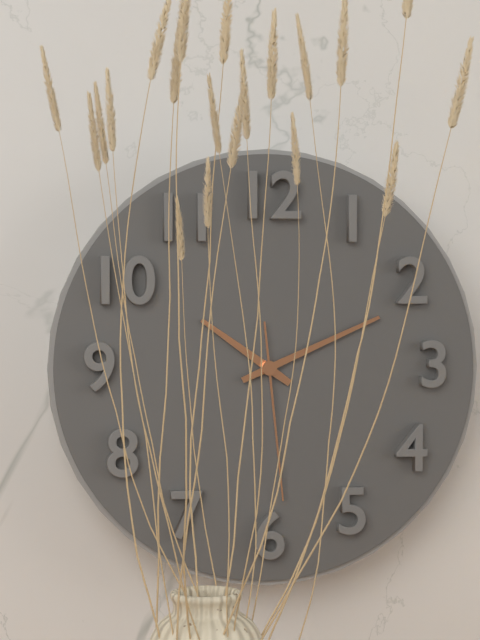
10:11:29
